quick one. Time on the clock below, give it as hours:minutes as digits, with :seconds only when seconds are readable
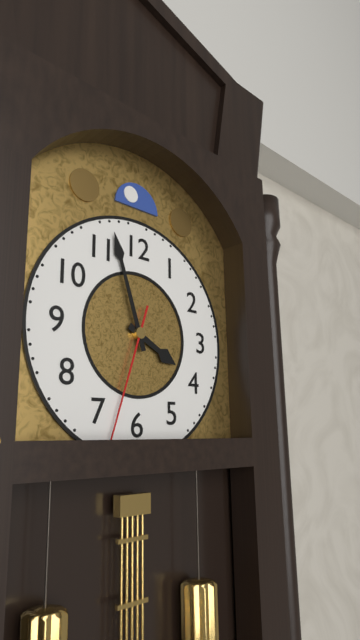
3:57:33
